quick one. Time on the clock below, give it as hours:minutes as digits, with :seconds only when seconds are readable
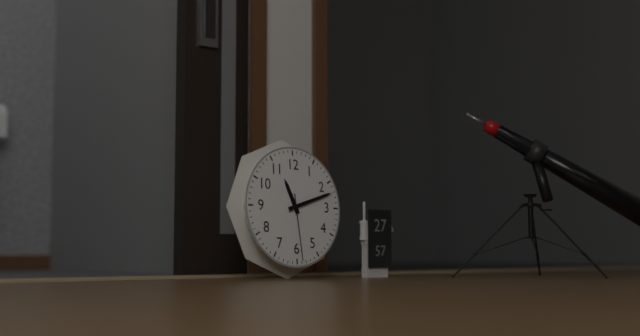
11:12:29
